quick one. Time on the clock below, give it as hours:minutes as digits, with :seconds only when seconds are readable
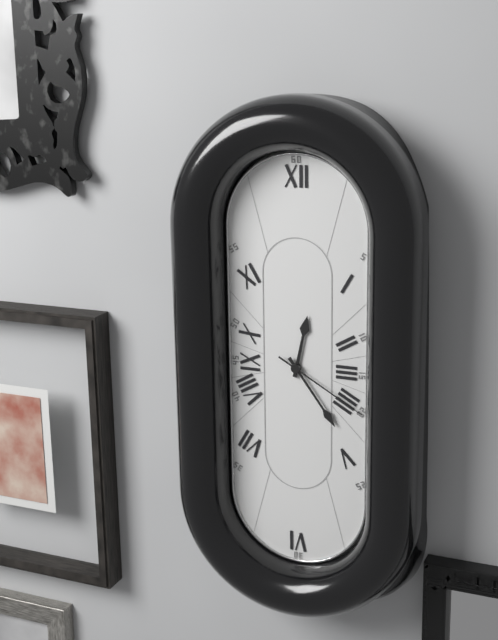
12:24:20
